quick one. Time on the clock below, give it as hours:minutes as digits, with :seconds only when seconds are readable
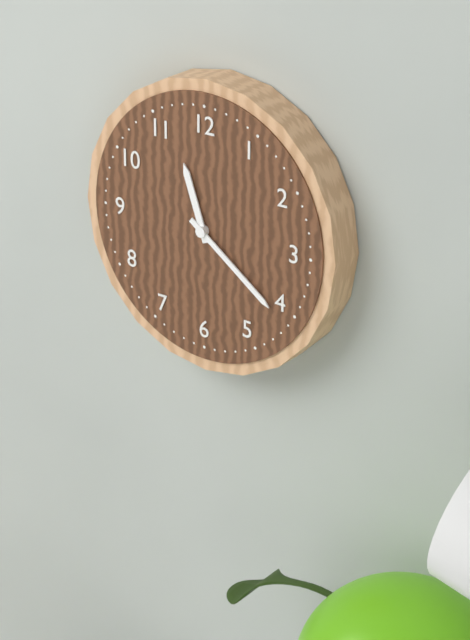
11:21
